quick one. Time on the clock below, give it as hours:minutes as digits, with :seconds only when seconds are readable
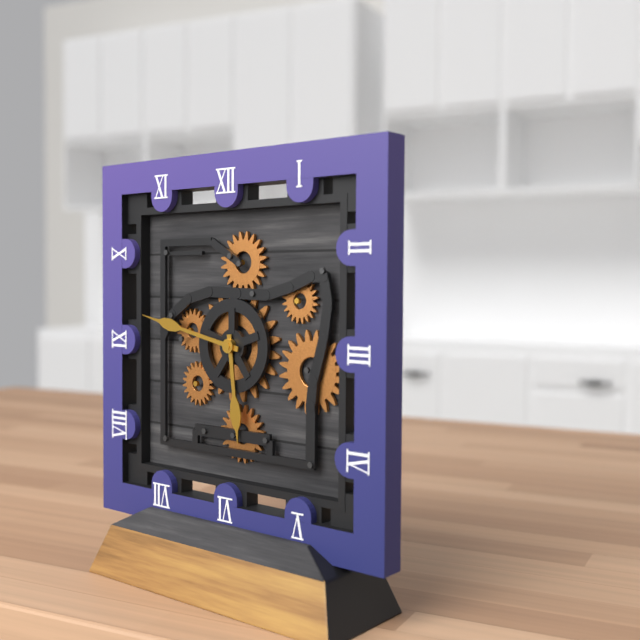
5:47
